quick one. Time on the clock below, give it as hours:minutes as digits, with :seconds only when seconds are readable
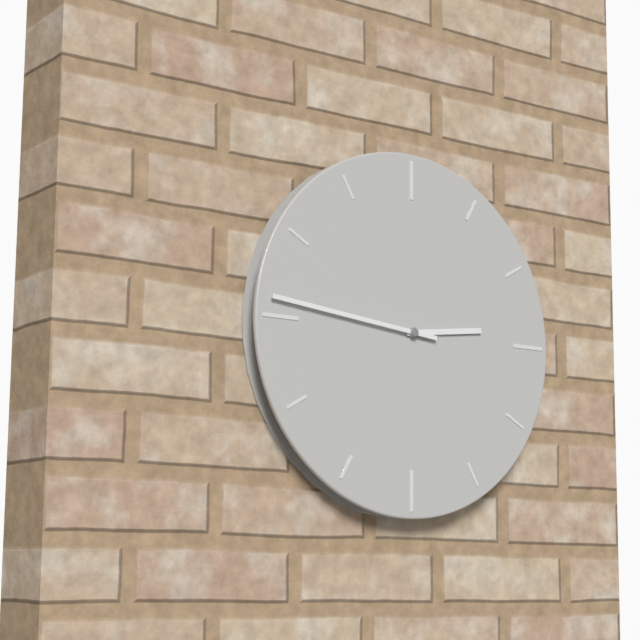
2:46
